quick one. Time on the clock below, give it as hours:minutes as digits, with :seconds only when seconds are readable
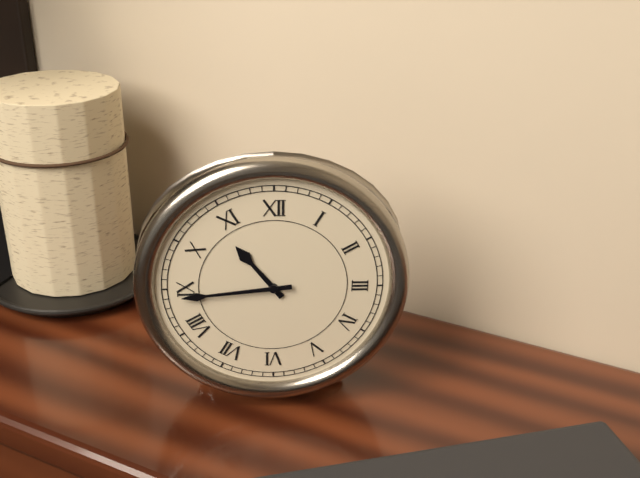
10:44
